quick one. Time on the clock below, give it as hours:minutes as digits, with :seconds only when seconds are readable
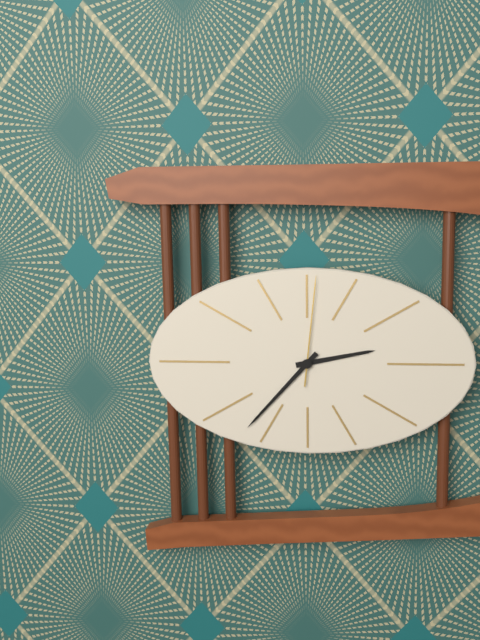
2:37:01
